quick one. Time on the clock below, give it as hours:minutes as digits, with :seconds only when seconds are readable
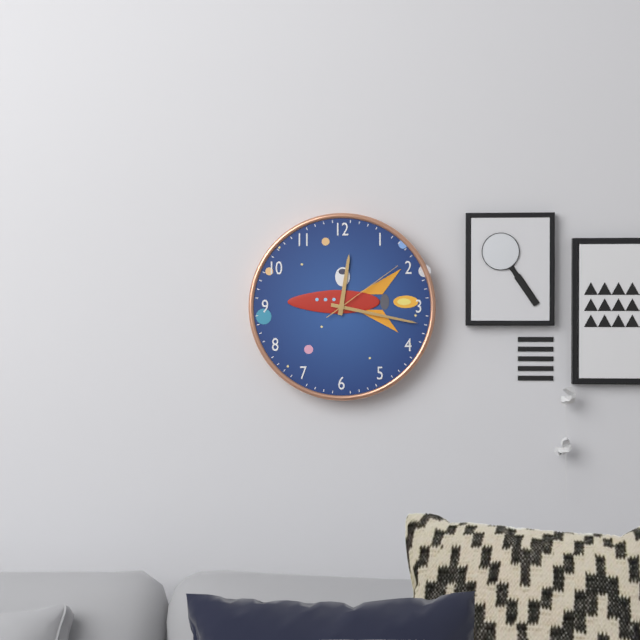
12:17:09
